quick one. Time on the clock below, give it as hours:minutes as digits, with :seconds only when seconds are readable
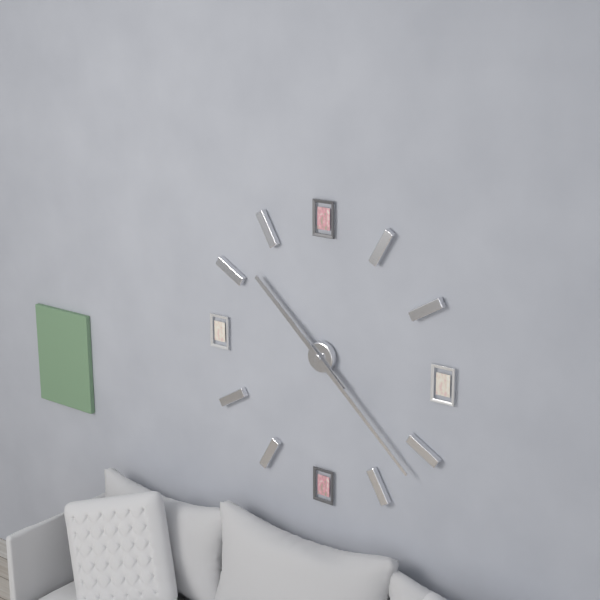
10:22
